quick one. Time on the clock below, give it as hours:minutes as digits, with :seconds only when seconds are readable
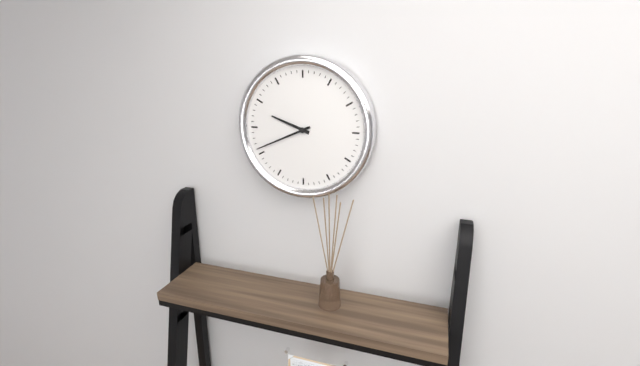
9:41
